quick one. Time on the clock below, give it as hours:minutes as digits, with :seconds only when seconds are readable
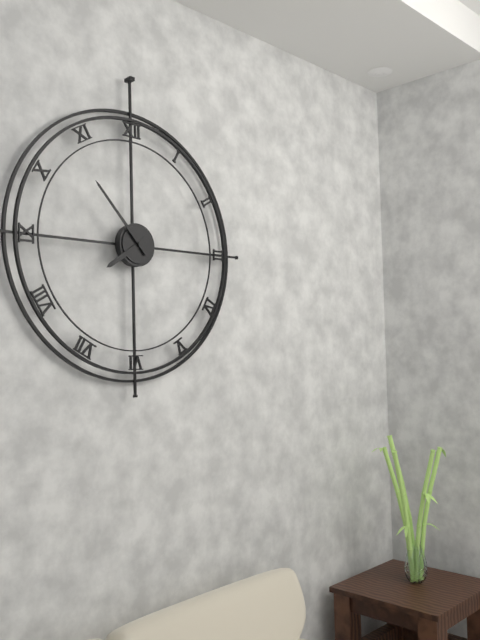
7:53
